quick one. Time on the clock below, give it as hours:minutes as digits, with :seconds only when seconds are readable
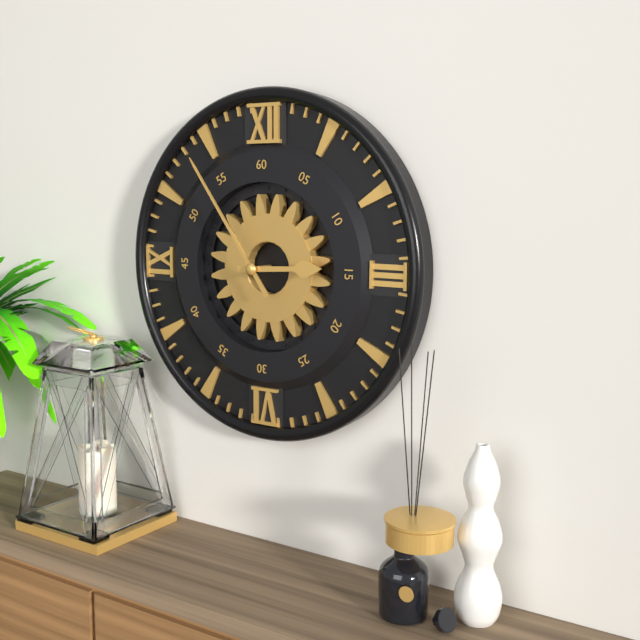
2:54
